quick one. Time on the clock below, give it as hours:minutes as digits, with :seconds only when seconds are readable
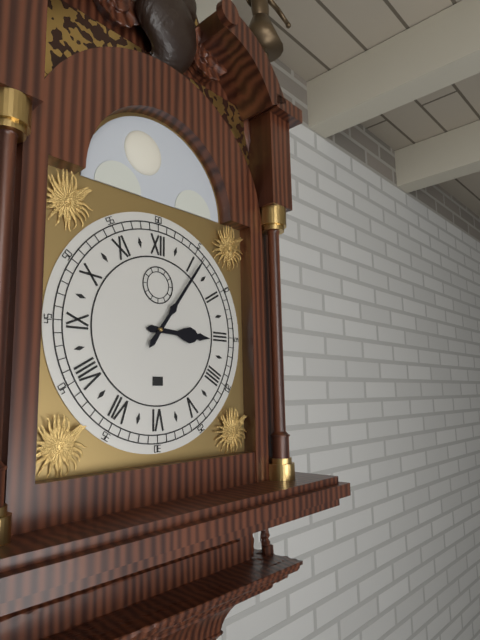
3:06
